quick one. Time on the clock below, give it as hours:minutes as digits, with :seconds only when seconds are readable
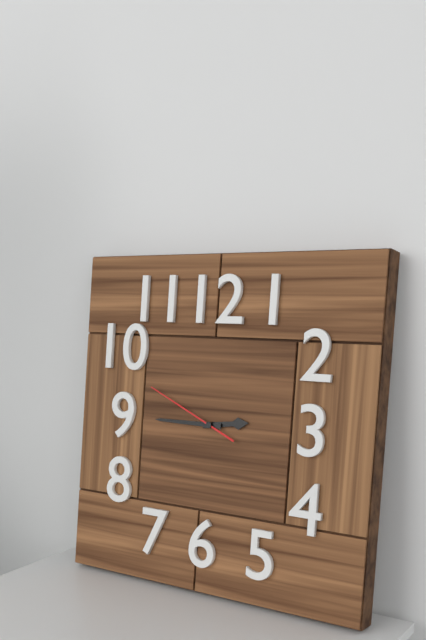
2:45:49
